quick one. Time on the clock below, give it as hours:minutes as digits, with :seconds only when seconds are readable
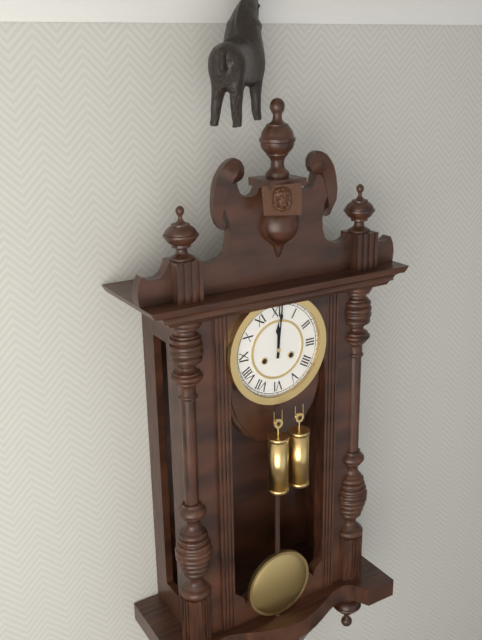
12:01
